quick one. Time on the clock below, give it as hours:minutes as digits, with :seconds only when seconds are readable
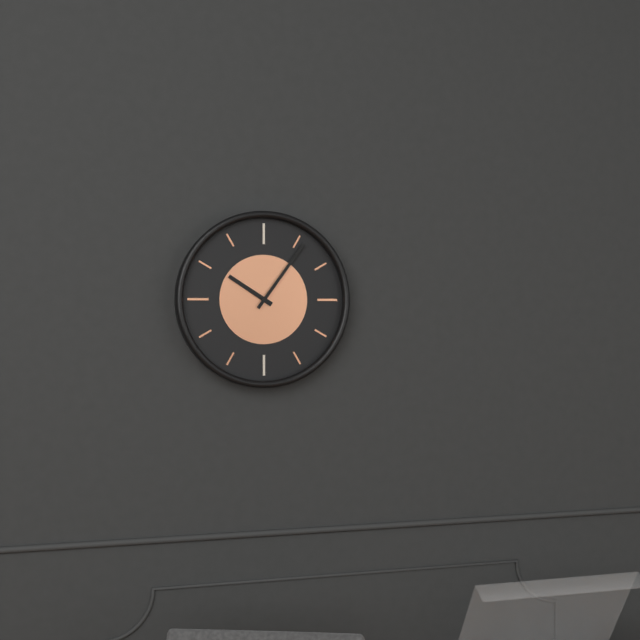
10:06
